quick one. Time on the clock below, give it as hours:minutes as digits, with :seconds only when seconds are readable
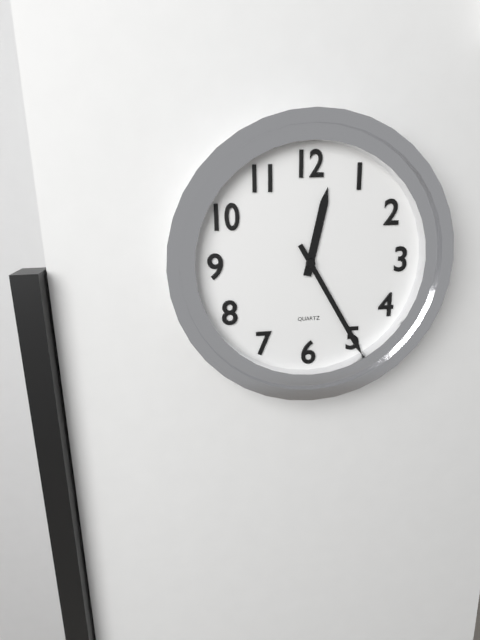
12:25
